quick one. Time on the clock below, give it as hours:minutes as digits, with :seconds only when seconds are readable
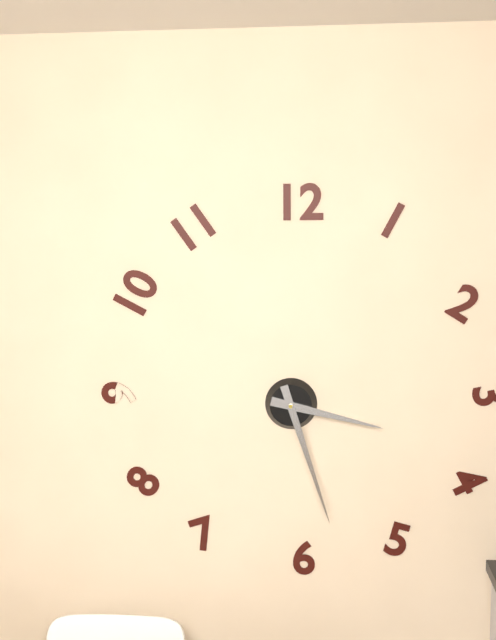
3:27
